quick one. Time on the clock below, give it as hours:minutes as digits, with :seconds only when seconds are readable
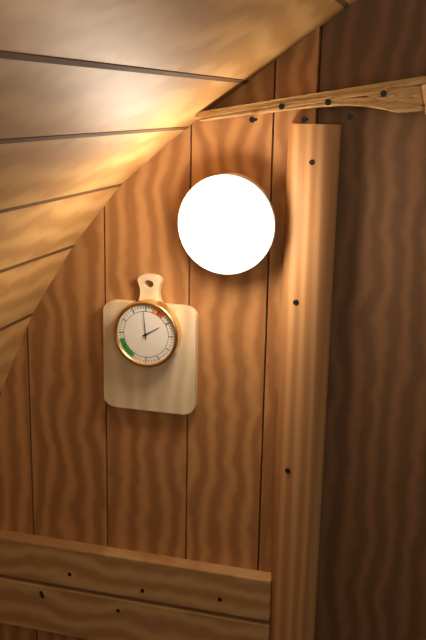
1:59
